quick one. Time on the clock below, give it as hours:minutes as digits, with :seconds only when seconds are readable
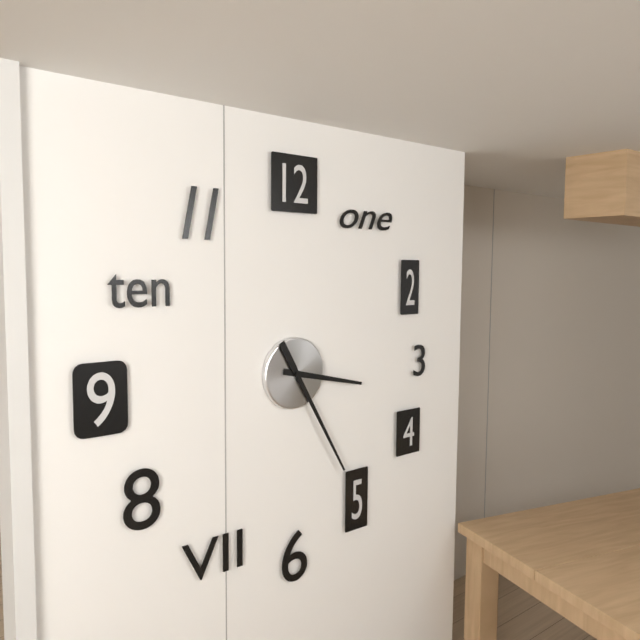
3:25
